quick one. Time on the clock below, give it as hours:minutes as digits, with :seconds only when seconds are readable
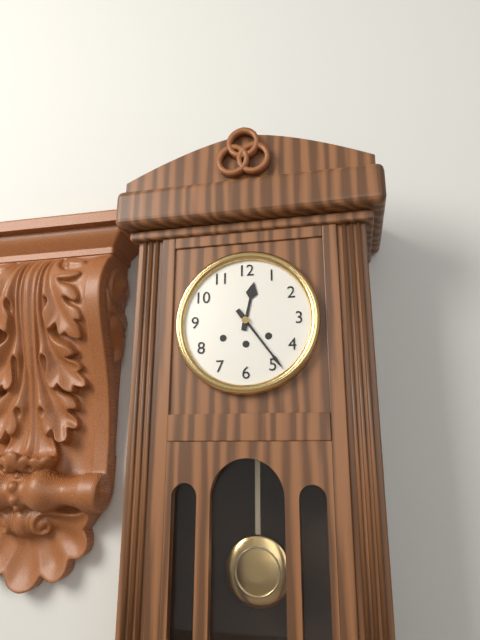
12:24
